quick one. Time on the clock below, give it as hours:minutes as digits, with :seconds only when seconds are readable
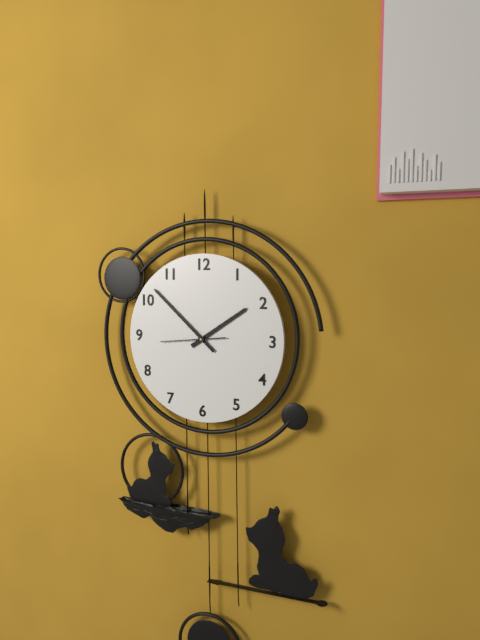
1:52:44
